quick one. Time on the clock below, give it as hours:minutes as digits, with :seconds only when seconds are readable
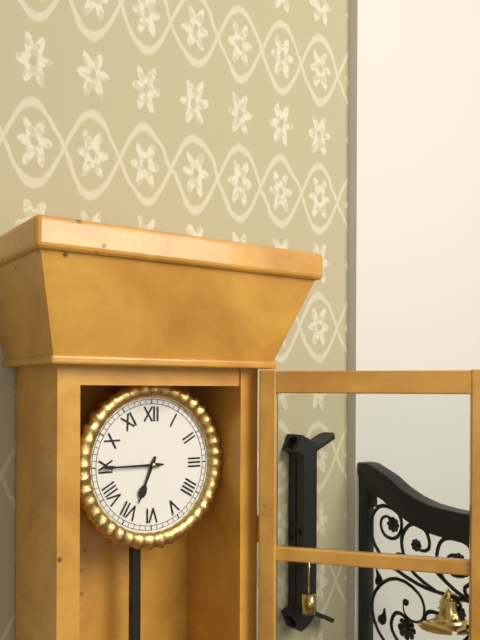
6:45
